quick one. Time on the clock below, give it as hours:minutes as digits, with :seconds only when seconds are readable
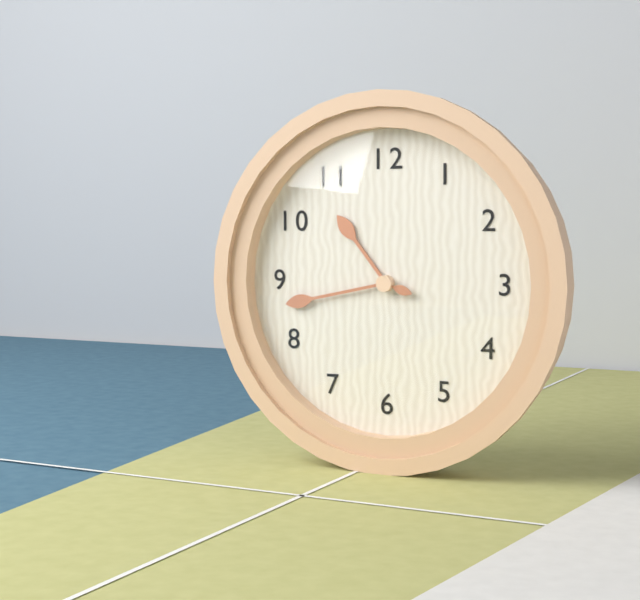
10:43
